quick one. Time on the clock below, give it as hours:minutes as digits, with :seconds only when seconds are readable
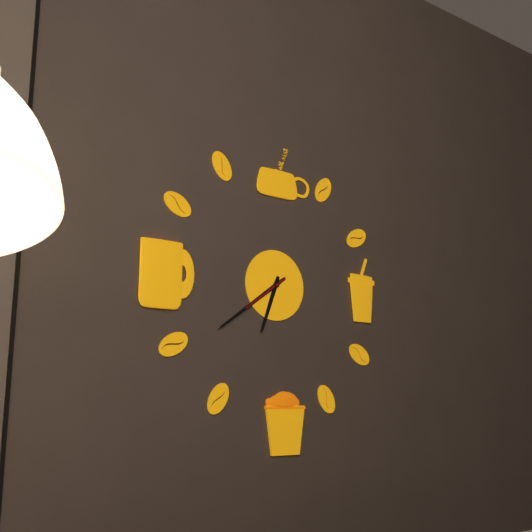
6:39
